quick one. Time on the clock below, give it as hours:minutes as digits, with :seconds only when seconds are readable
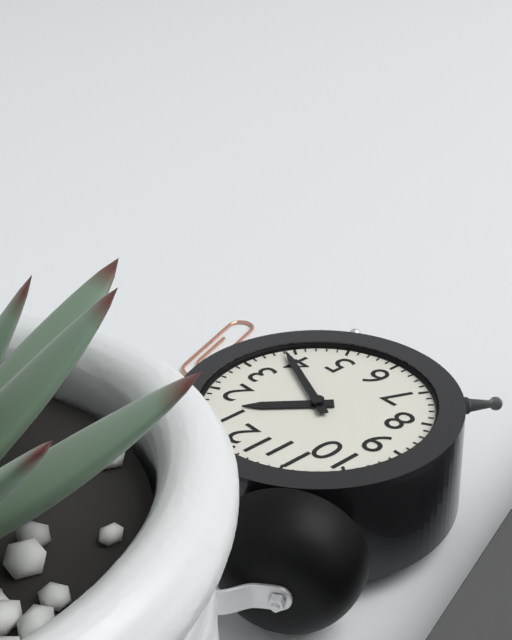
1:19
